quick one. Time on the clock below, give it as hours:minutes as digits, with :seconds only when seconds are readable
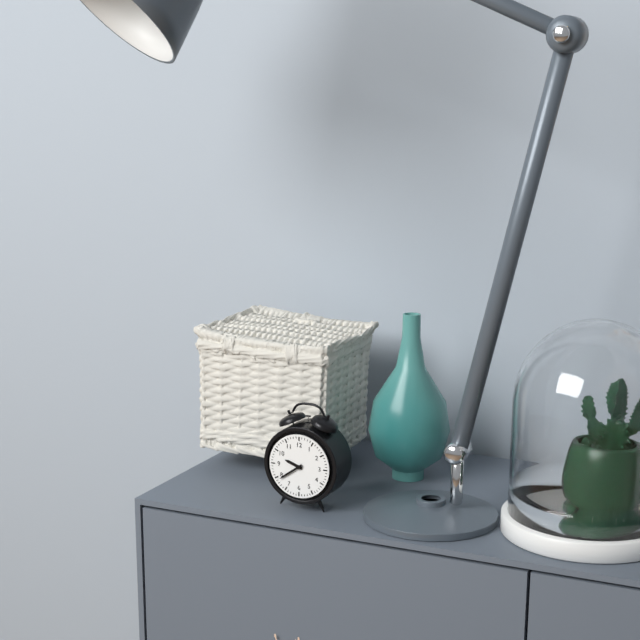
9:39
